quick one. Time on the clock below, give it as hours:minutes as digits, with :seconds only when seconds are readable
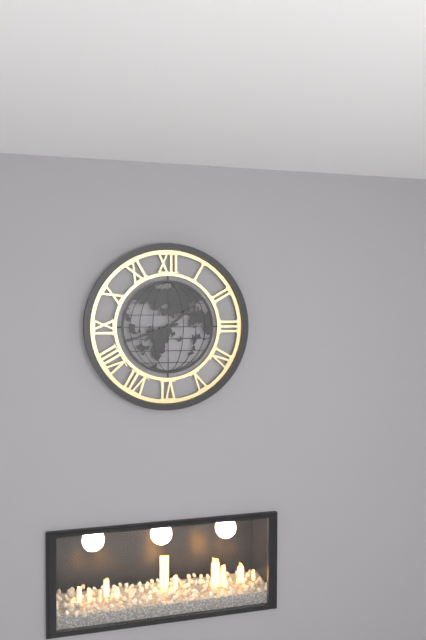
1:42
